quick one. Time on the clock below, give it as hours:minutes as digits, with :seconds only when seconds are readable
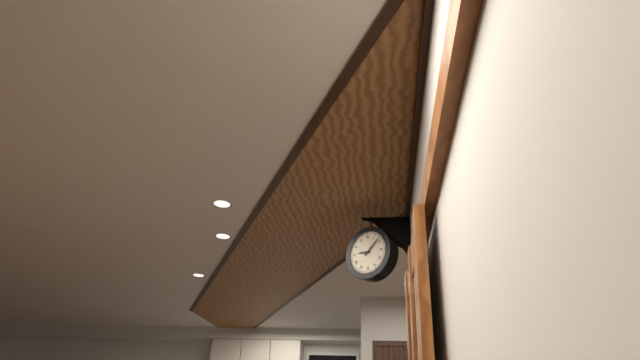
9:08
